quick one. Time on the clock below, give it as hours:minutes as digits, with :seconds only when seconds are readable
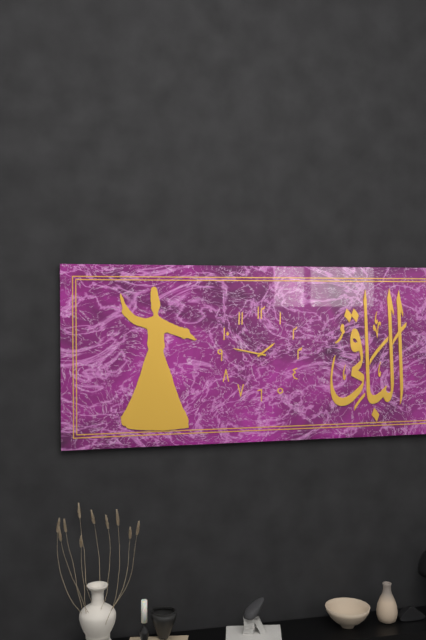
1:47
